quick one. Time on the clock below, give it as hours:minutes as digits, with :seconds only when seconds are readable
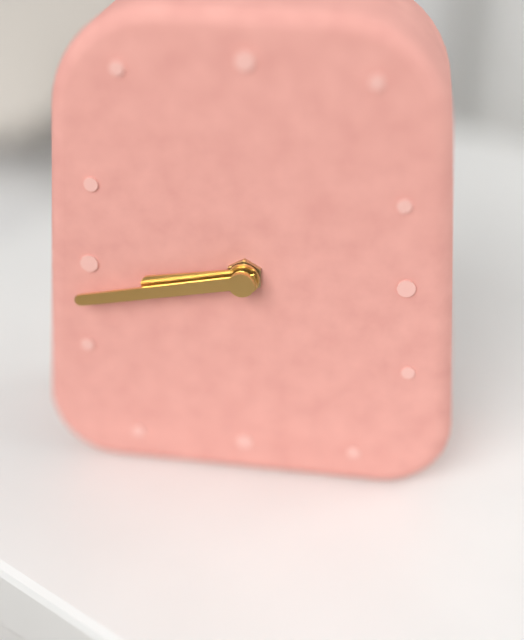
8:43
